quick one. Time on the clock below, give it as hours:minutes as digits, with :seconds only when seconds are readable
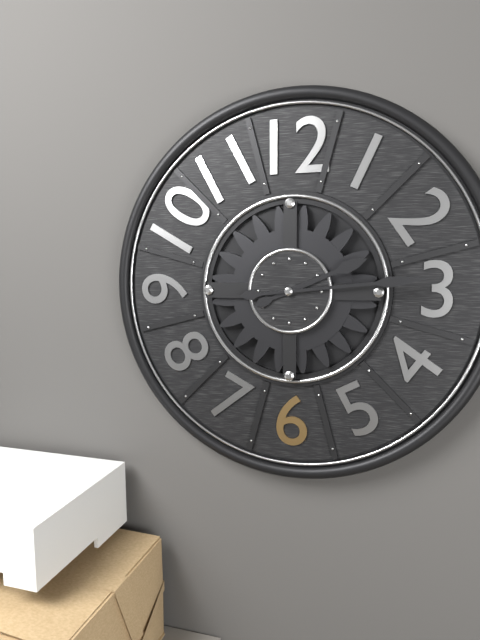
2:14
